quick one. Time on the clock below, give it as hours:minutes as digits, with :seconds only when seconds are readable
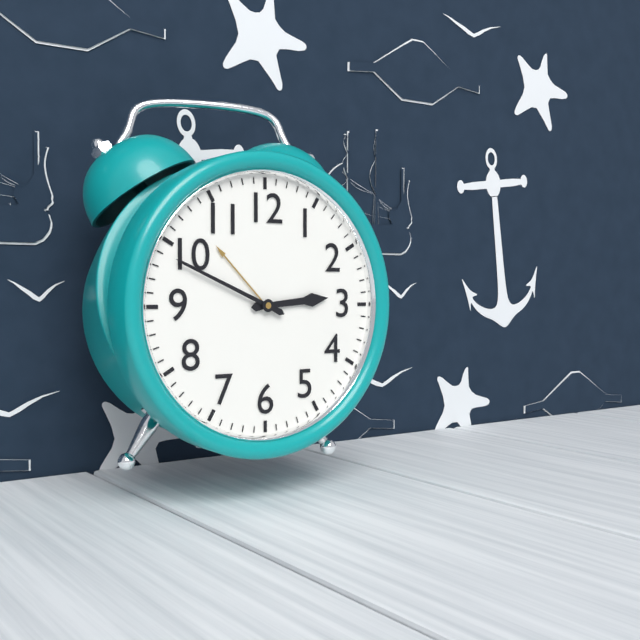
2:49
